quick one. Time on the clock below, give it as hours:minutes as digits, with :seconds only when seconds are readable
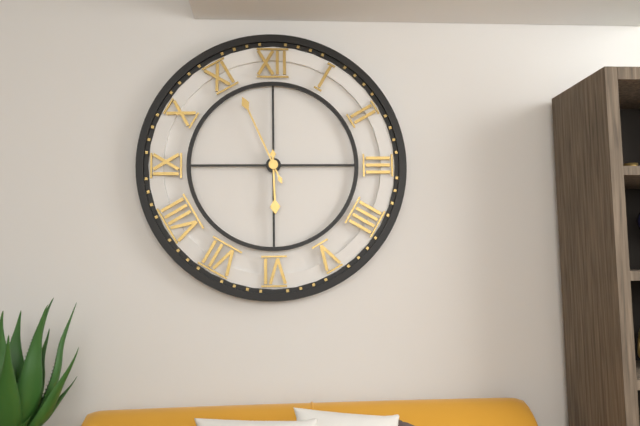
5:56
